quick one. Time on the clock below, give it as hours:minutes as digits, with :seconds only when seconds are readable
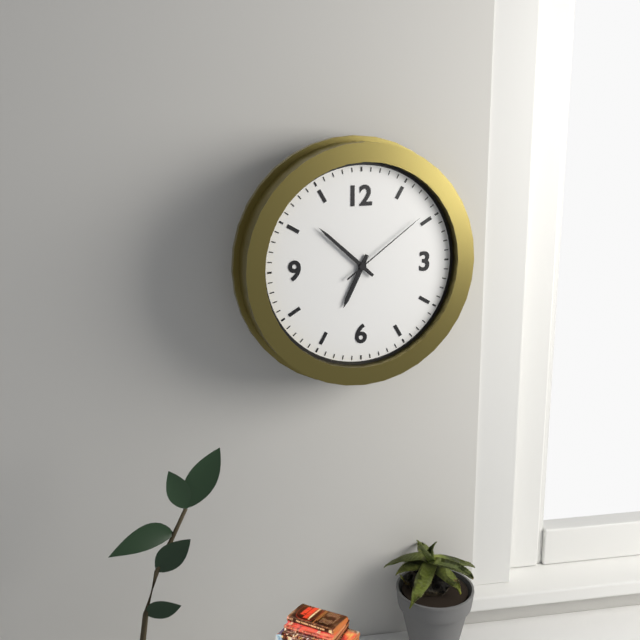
6:52:09
